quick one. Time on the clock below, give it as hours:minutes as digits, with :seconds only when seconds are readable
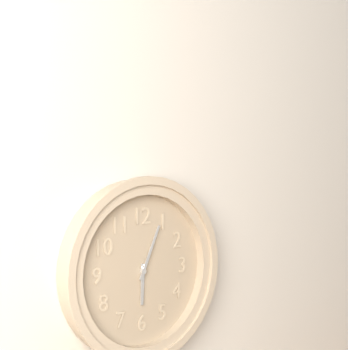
6:04
